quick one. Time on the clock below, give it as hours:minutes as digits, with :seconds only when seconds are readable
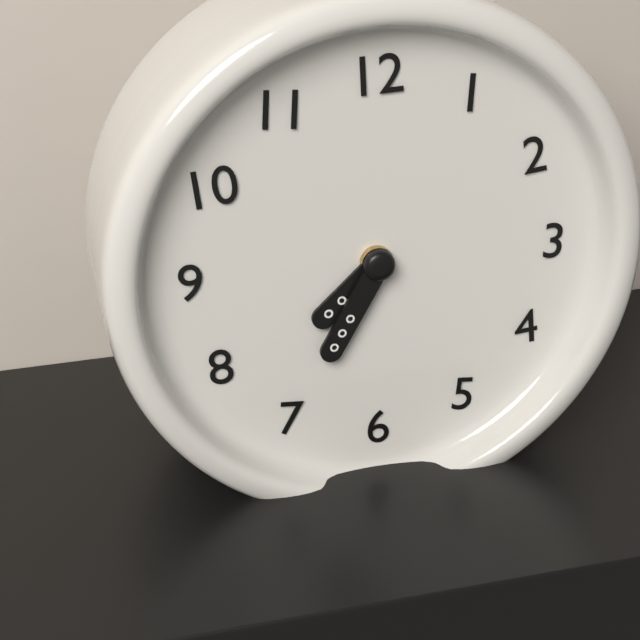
7:35
